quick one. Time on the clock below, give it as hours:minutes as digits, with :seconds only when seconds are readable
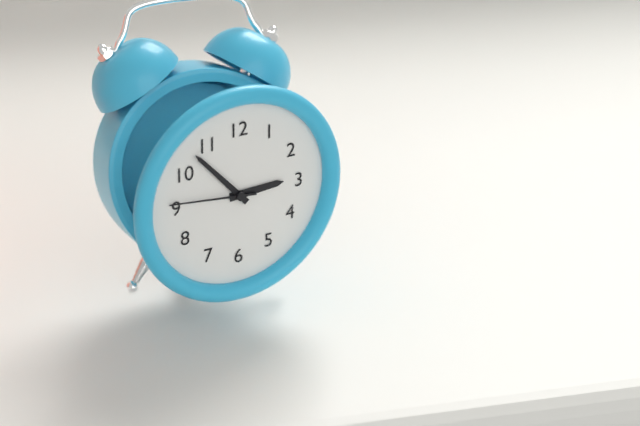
2:53:46
